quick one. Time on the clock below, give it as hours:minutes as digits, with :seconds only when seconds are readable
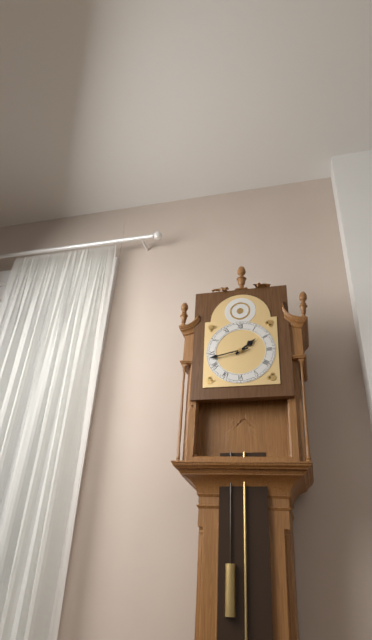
1:43
